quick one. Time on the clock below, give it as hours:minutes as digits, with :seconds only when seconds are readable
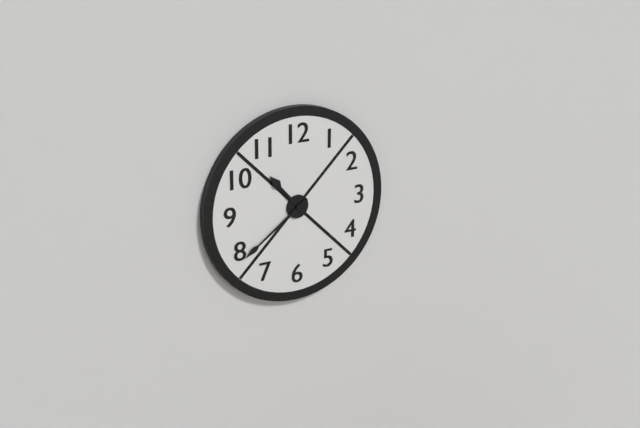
10:39
